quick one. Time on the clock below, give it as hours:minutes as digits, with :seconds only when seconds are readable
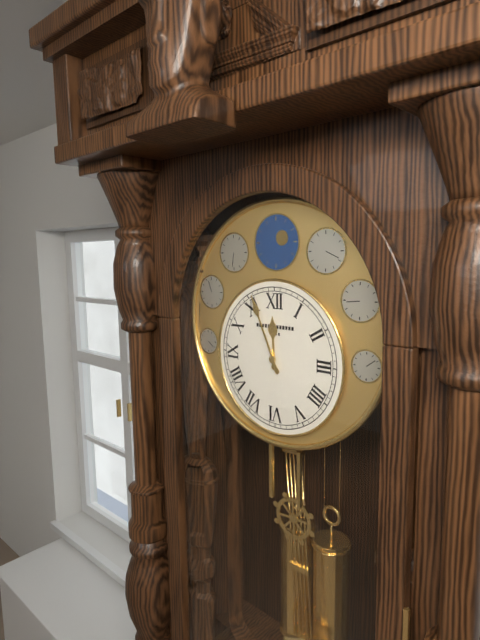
11:56
